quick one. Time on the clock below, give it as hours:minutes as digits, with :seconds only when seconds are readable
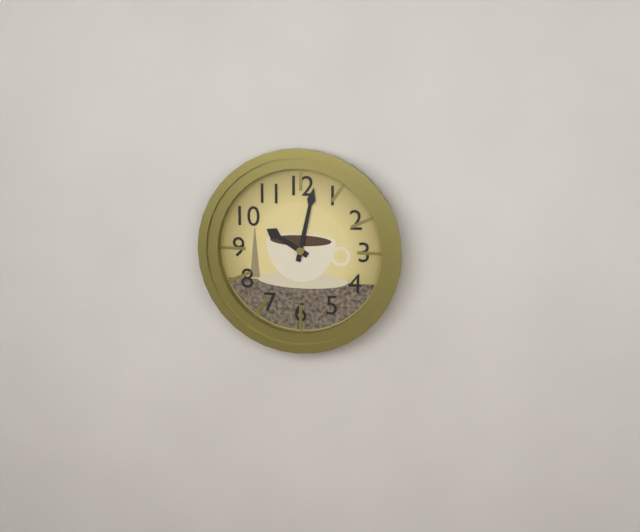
10:02
